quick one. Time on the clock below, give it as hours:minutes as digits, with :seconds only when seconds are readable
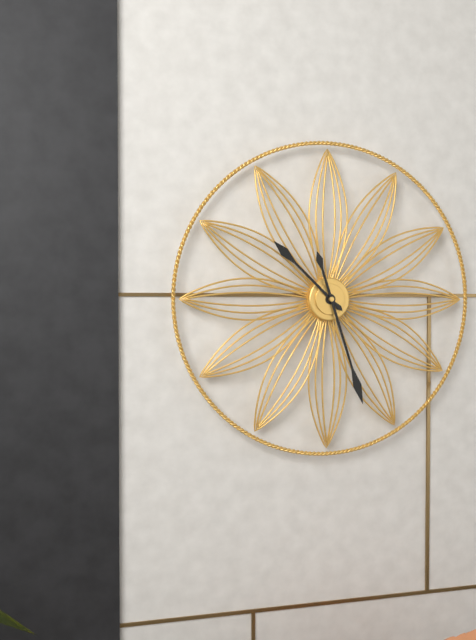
10:27
